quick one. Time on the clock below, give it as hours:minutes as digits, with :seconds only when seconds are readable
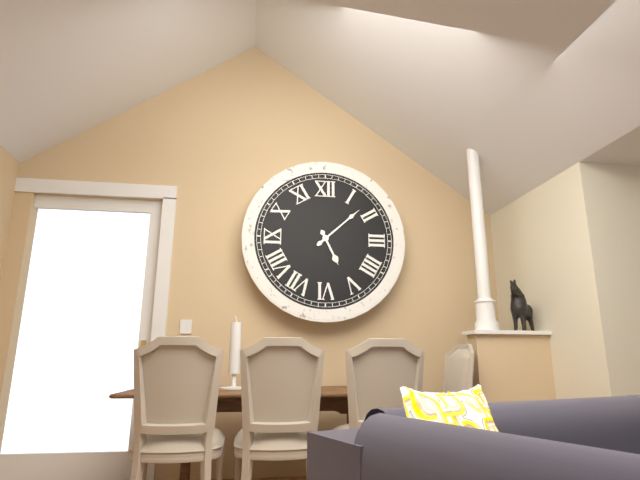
5:08
